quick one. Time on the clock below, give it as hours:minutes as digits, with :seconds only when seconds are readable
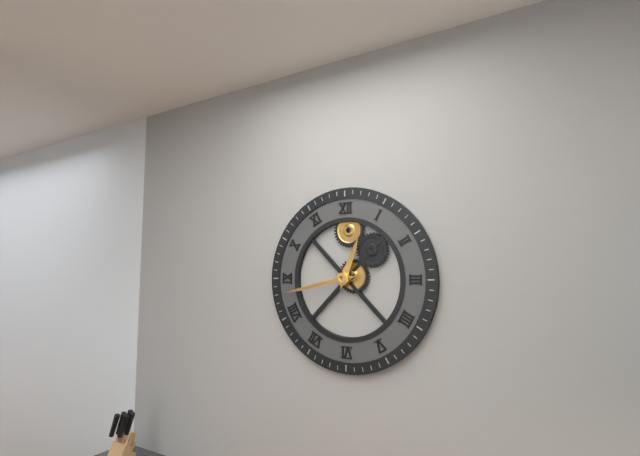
12:43
